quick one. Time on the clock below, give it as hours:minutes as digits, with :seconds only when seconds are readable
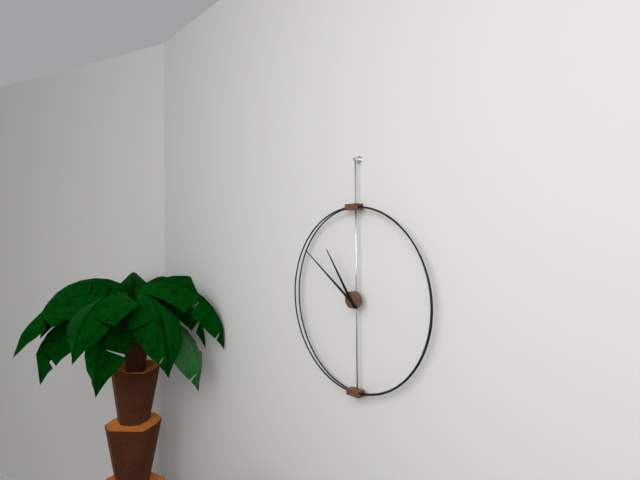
10:51
